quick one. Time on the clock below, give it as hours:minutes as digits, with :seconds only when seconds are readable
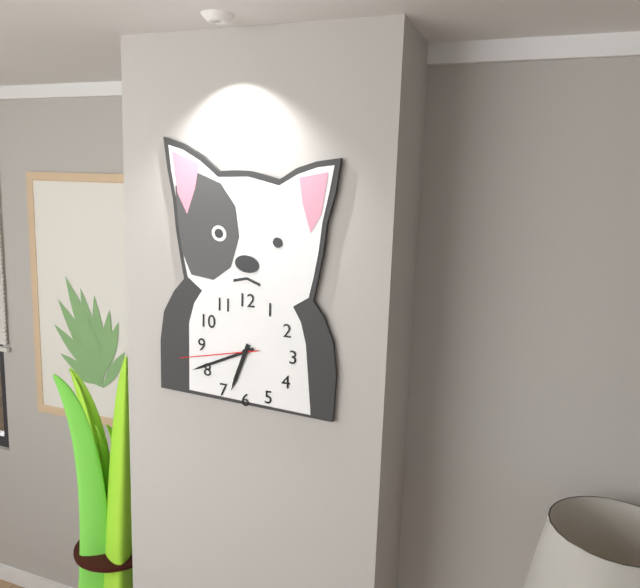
6:41:43
